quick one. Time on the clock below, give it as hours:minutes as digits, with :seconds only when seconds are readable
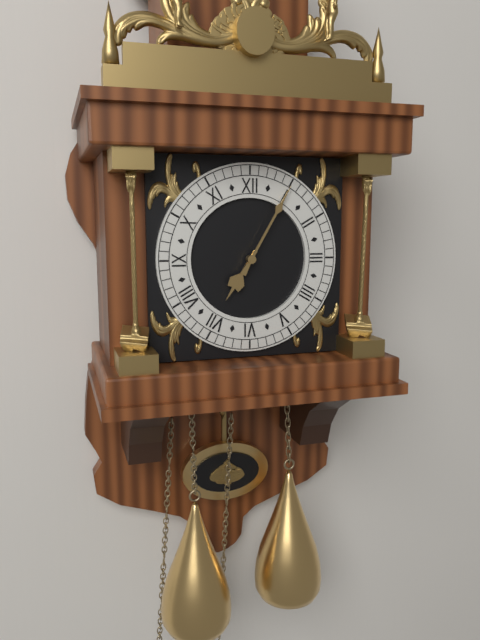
7:05
